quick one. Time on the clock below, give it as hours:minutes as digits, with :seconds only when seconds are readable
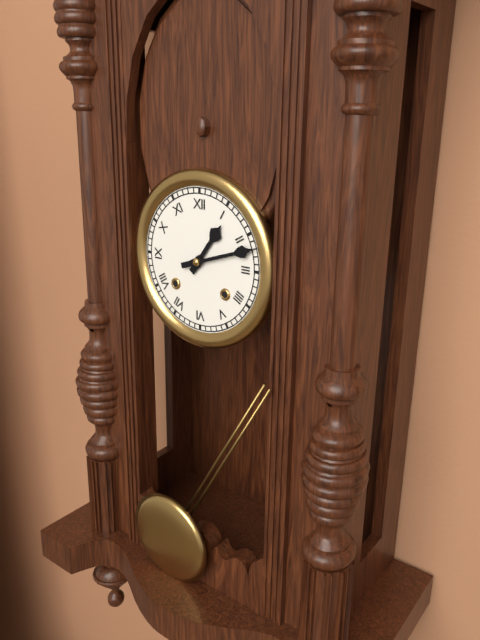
1:12
